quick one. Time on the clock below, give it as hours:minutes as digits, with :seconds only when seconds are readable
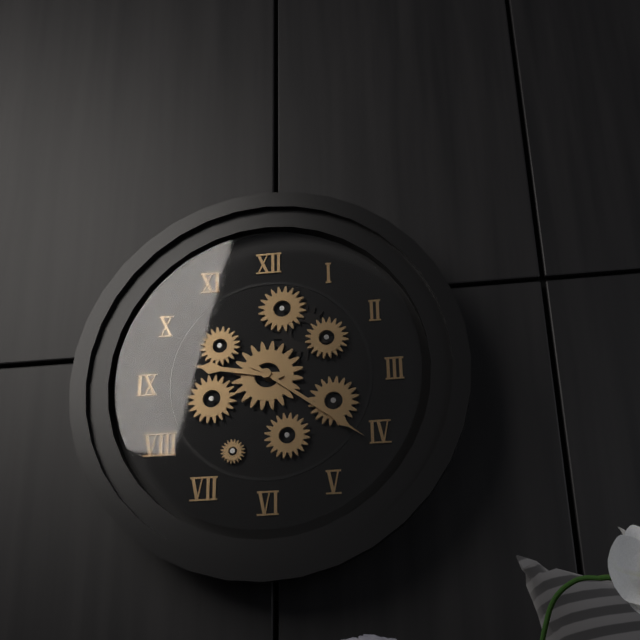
9:21
